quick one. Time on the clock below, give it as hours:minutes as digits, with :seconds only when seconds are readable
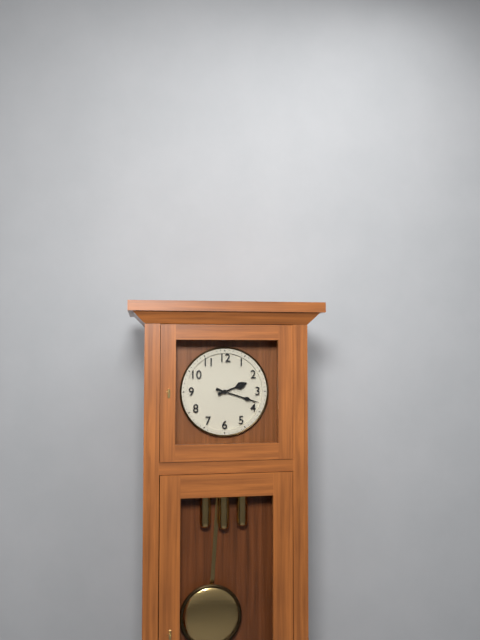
2:18
